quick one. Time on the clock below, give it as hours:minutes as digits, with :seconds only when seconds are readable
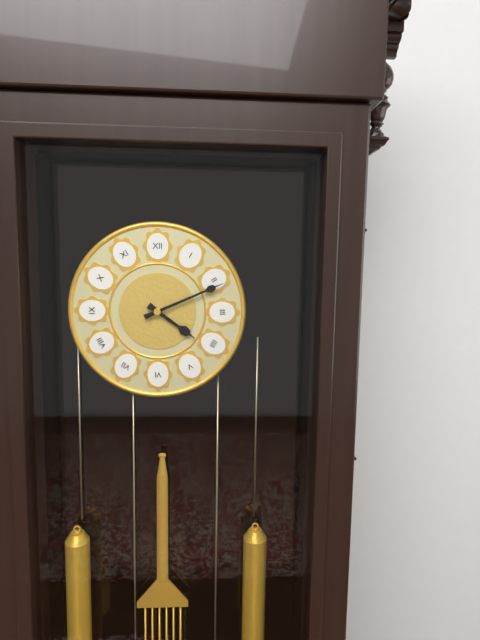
4:11
